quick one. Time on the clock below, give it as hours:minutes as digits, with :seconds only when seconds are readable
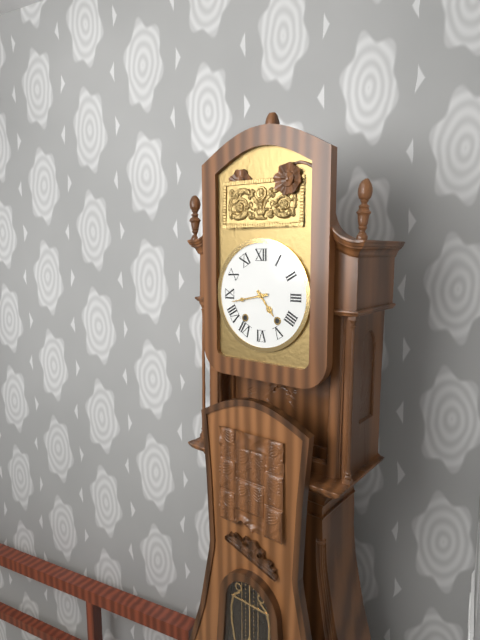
4:43
